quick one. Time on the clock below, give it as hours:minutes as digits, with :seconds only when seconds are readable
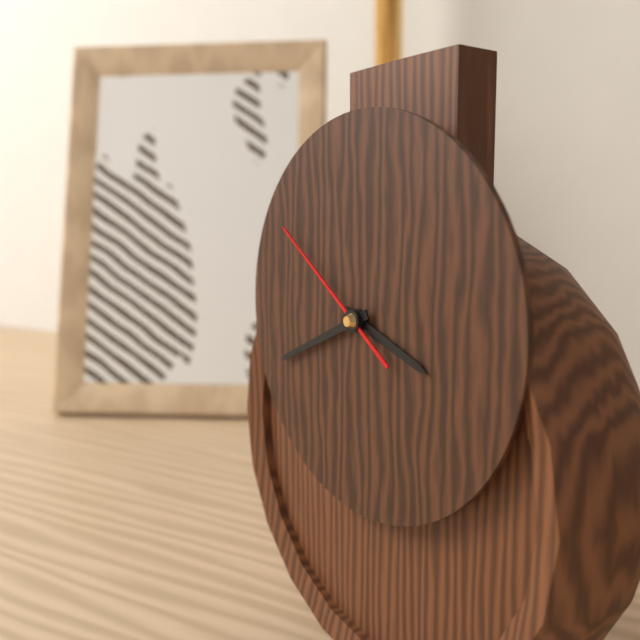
3:41:51
